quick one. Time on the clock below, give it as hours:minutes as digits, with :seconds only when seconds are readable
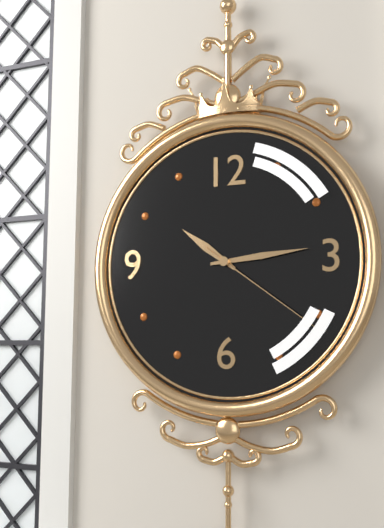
10:14:21
